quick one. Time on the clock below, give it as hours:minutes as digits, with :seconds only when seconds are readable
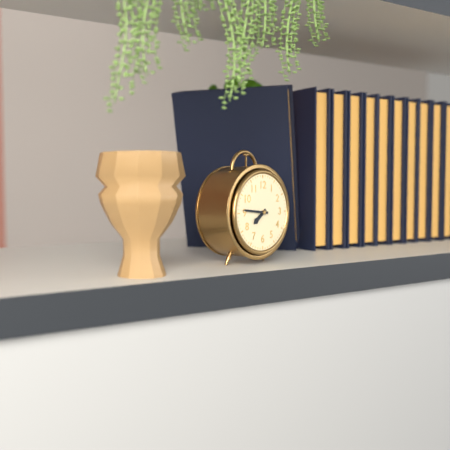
7:46
